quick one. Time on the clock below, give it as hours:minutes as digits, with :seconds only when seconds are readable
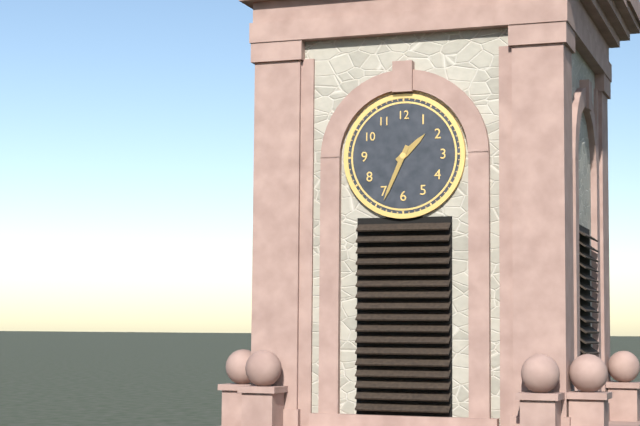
1:34
